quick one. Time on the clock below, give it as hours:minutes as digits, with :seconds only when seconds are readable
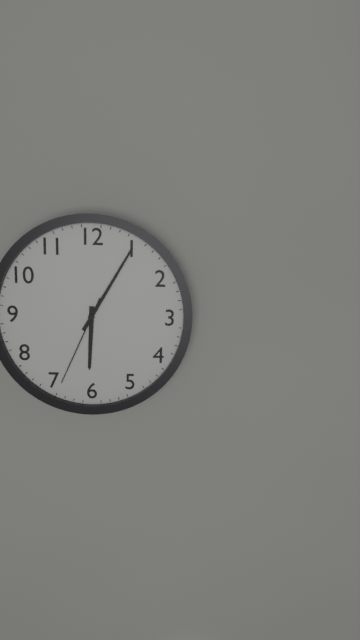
6:05:34
